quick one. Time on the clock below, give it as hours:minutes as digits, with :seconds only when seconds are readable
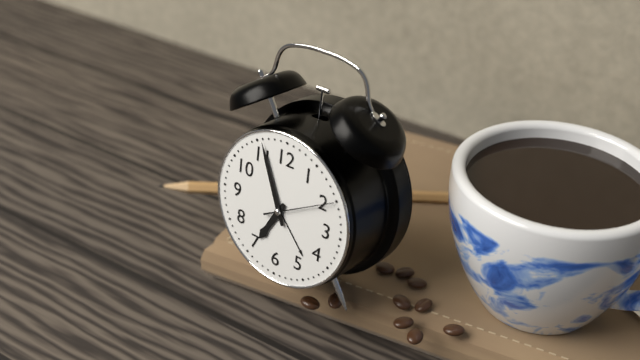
6:56:10
